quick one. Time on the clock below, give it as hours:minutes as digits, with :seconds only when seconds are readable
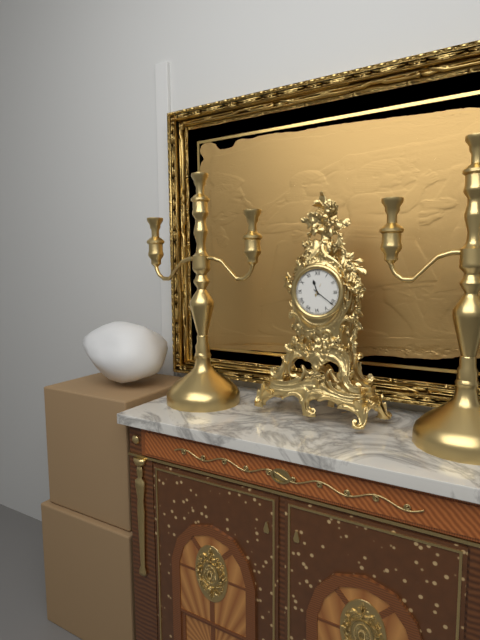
11:21
